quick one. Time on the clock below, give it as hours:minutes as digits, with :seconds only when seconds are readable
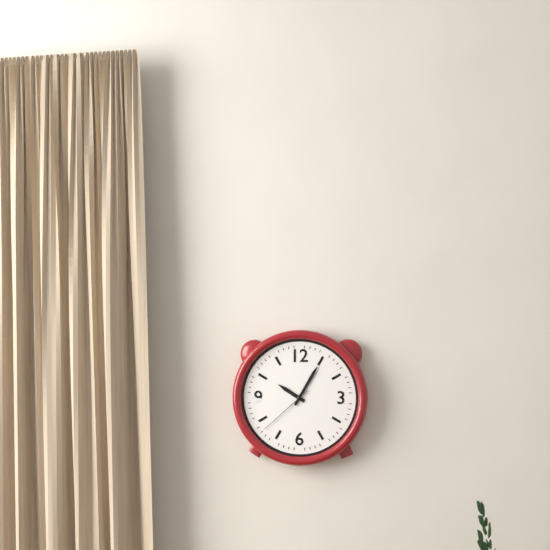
10:05:38
